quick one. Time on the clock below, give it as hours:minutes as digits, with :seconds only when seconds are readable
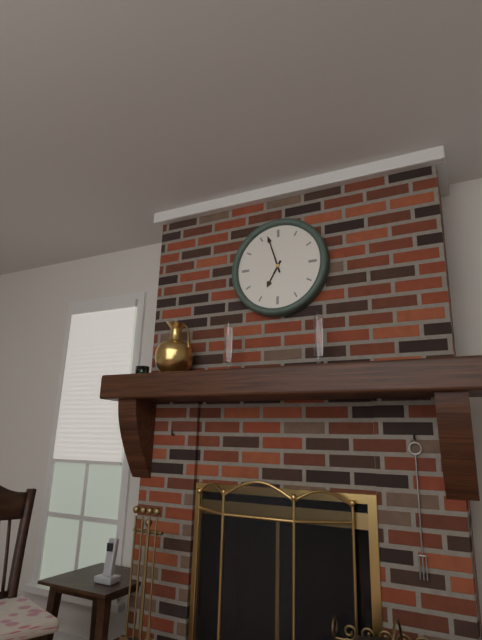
6:57
